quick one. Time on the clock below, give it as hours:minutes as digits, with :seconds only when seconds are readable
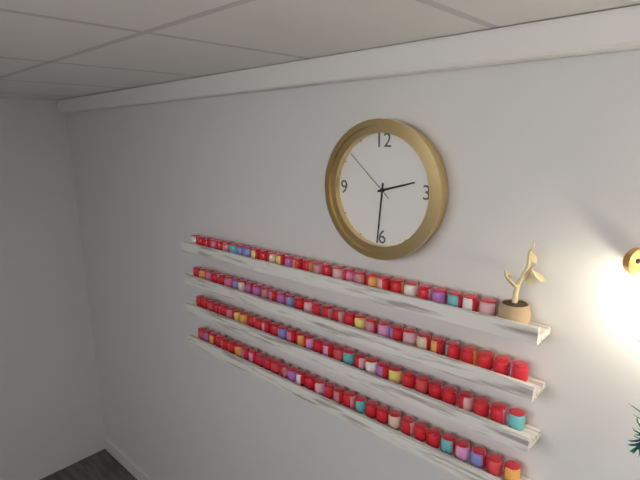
2:31:52
